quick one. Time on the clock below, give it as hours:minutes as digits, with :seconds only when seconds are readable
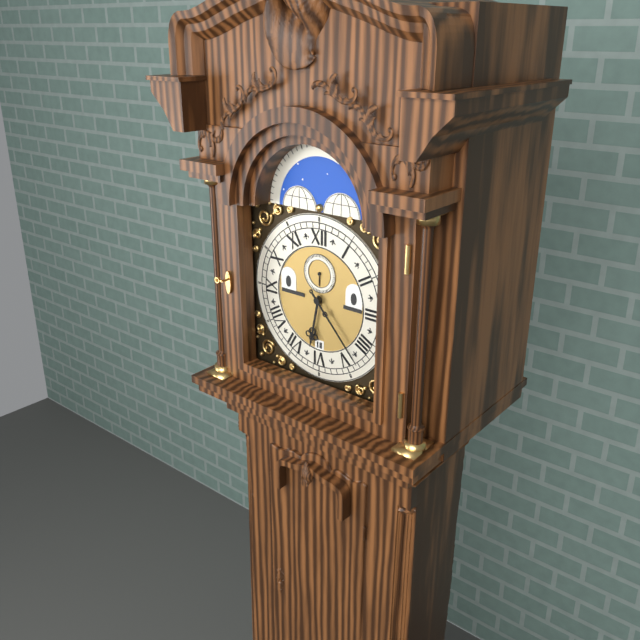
6:23
